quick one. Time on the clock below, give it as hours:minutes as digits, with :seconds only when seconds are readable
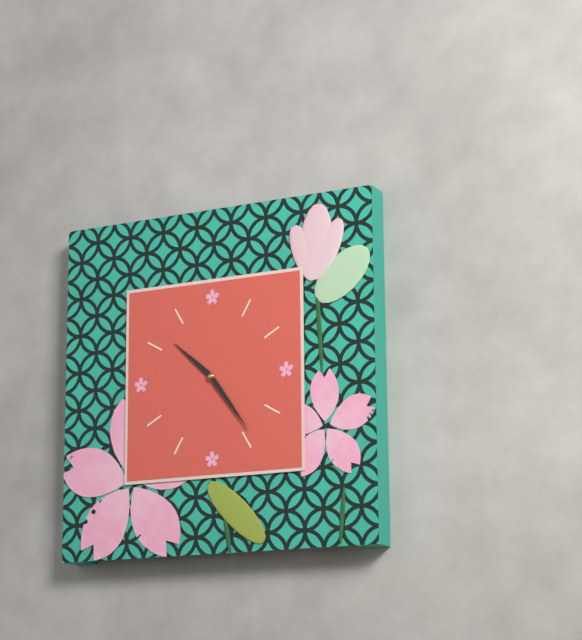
10:24
